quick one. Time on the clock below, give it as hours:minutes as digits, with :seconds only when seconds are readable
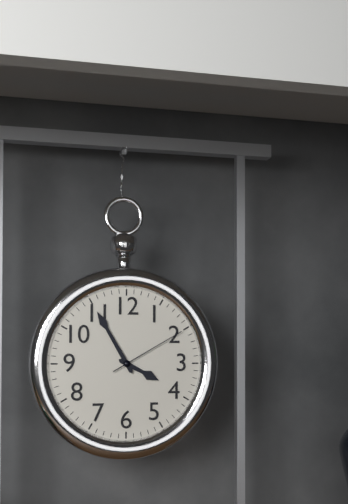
3:55:10
